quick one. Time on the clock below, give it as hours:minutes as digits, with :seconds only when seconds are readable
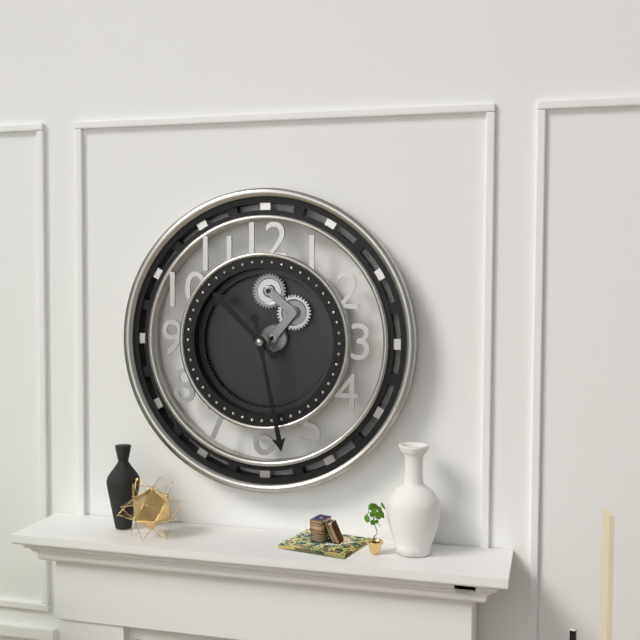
10:28
